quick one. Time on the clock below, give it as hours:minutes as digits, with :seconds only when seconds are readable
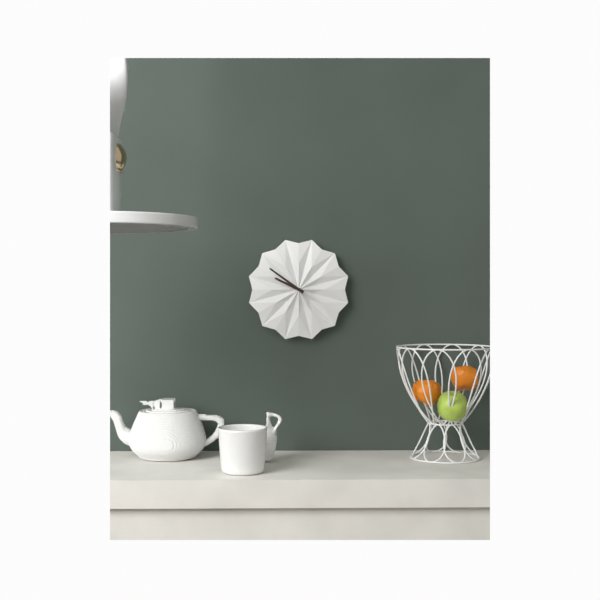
9:51
